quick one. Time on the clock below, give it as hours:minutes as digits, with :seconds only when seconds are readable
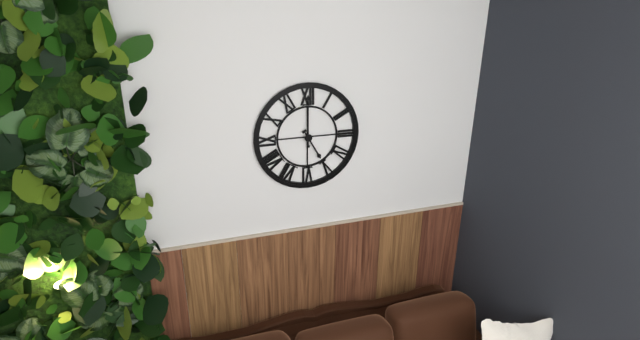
5:00
